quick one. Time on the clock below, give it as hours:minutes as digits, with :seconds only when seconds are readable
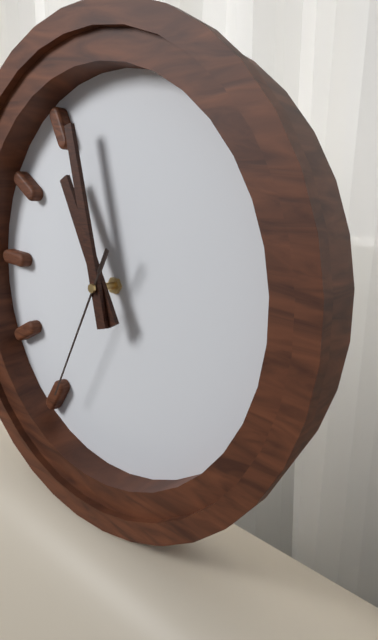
10:57:34
